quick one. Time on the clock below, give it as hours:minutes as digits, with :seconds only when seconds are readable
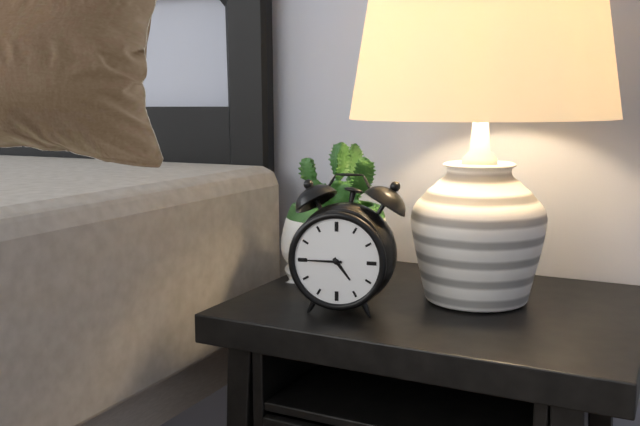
4:45
